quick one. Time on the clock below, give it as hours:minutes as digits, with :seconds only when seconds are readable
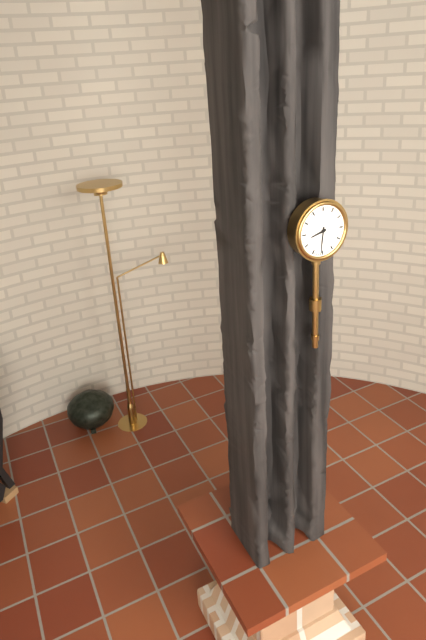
8:31
